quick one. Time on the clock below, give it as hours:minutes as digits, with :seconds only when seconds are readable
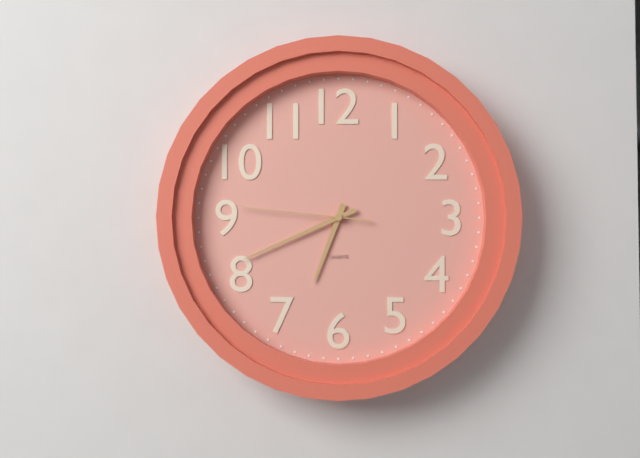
6:41:46
